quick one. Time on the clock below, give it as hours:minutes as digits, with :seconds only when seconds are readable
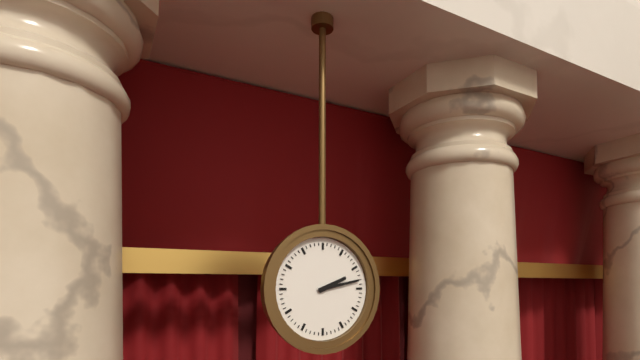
2:13
